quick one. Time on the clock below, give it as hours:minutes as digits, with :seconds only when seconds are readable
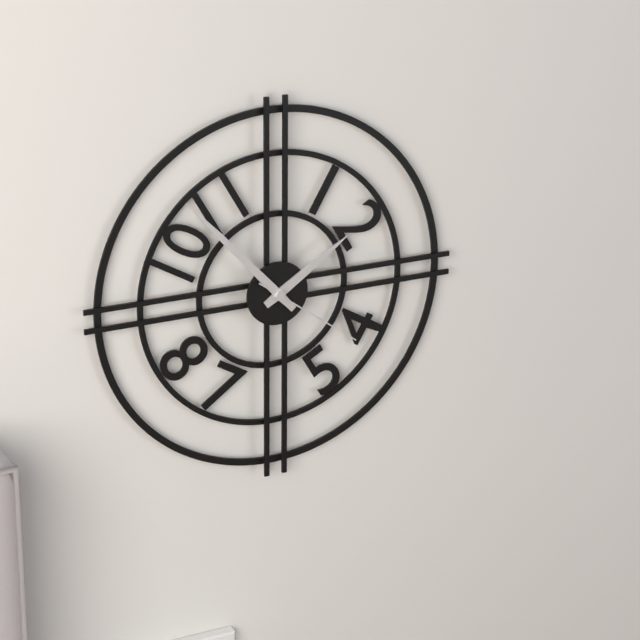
1:53:21
